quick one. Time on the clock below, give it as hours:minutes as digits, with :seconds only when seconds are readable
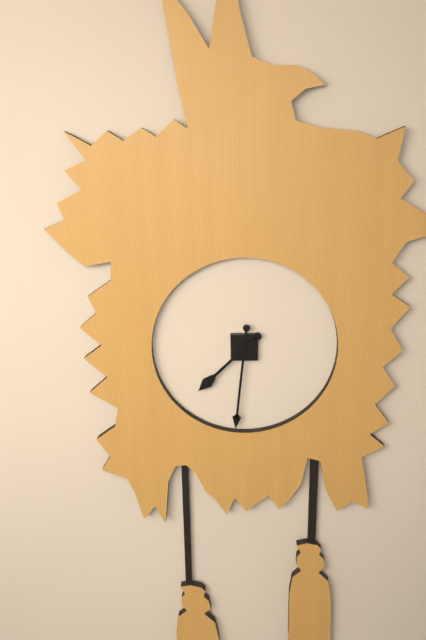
7:31
